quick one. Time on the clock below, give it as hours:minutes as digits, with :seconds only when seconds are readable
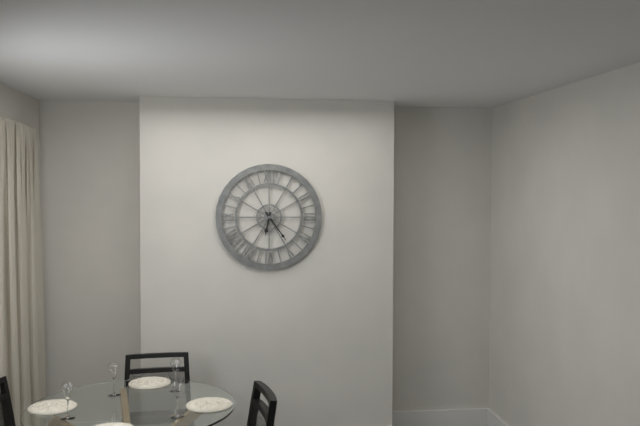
6:24
